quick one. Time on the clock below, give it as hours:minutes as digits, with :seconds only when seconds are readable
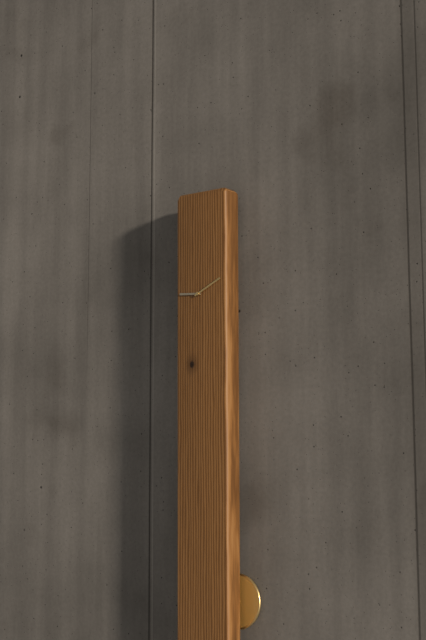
9:11
